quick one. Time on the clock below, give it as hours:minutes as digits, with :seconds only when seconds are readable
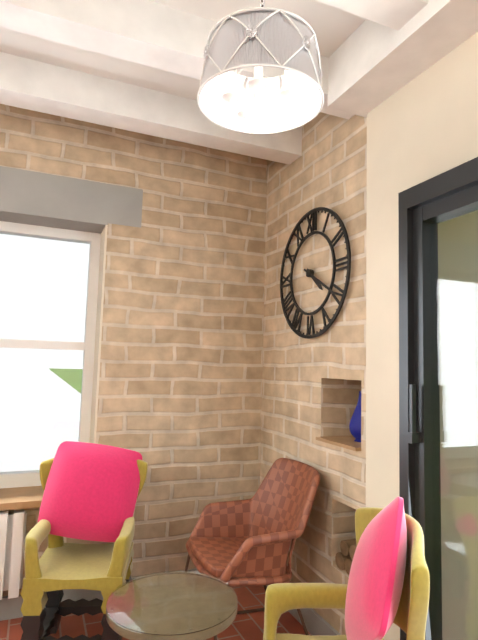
4:20
